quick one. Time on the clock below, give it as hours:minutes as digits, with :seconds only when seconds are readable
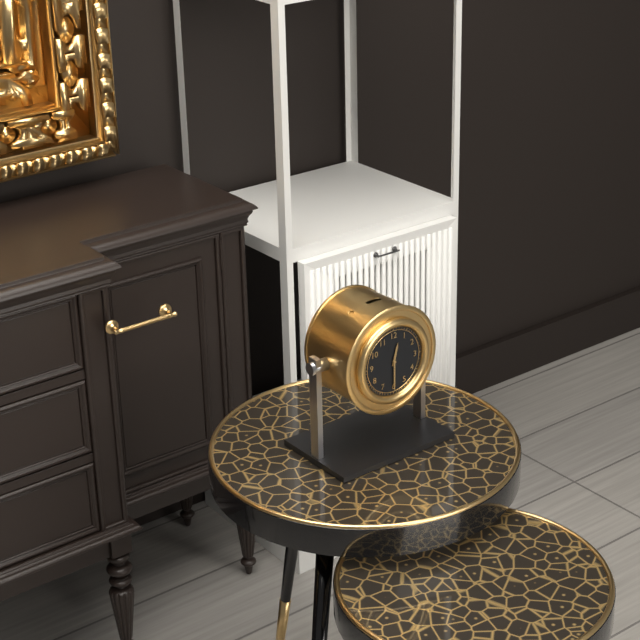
12:30
